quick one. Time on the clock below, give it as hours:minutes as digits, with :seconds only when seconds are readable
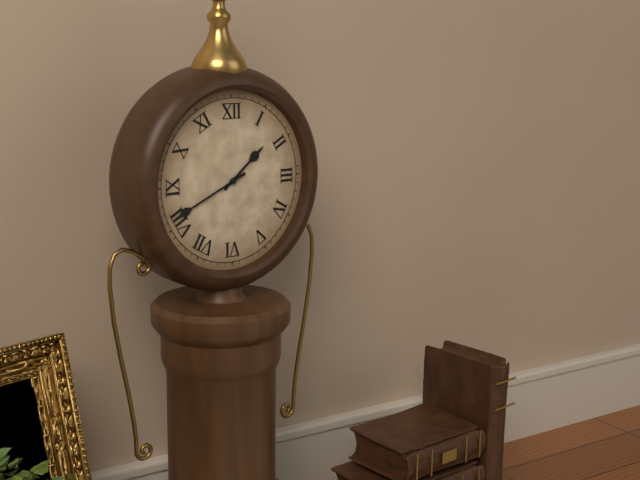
1:41
